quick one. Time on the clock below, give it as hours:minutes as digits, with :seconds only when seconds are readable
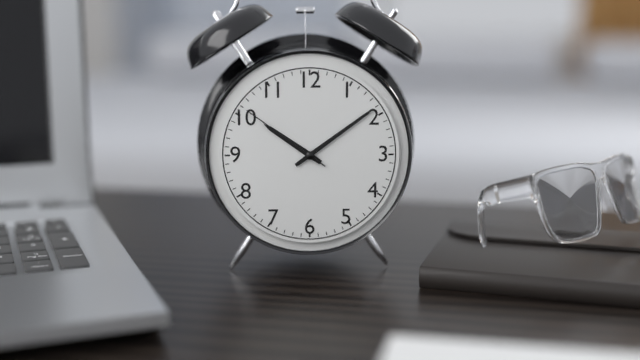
10:09:51
